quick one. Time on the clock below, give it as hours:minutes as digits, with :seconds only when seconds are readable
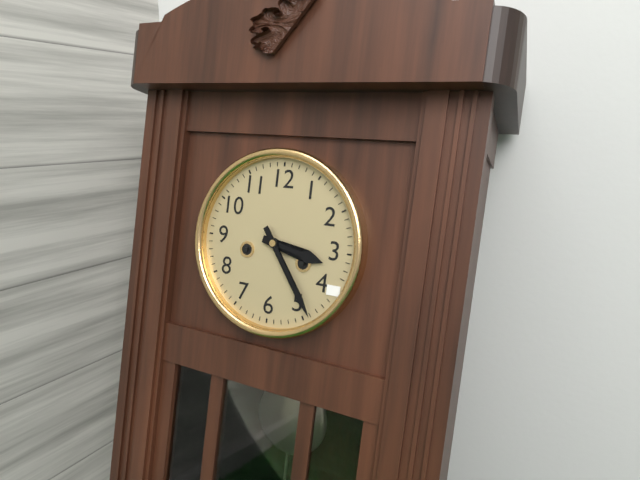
3:24
